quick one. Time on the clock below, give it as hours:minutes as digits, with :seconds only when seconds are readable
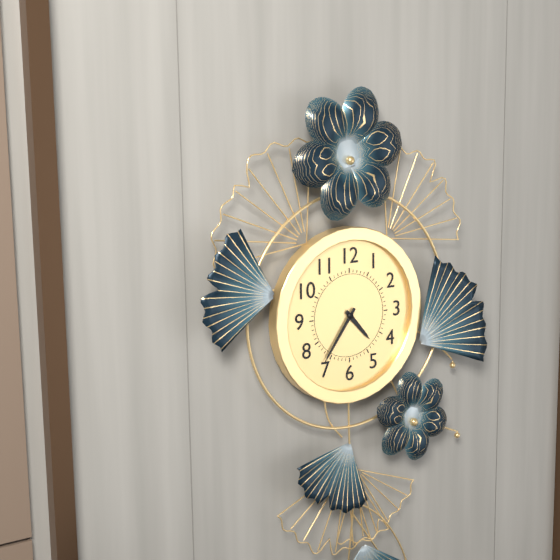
4:36
